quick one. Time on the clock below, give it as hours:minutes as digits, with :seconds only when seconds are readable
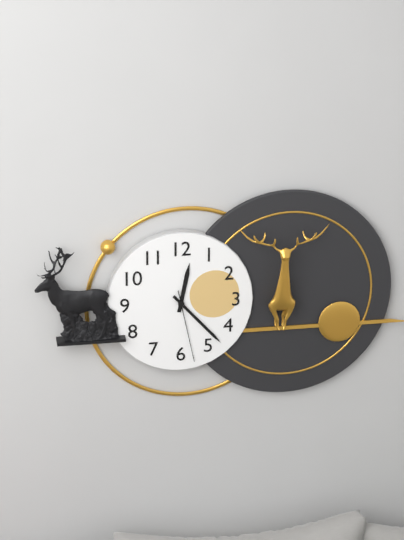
12:23:28
